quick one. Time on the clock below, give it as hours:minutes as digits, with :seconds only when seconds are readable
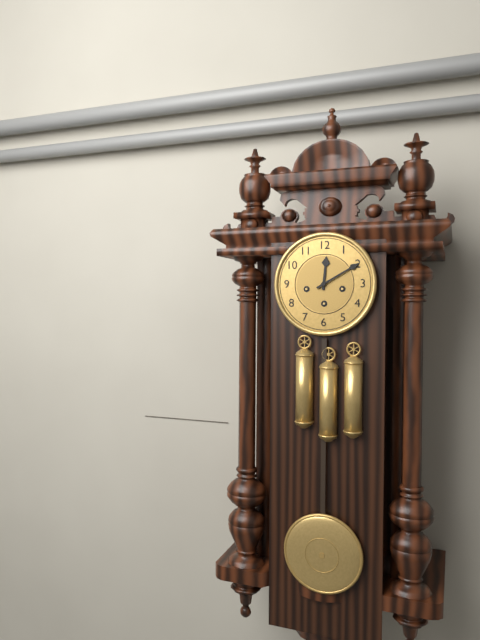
12:10
